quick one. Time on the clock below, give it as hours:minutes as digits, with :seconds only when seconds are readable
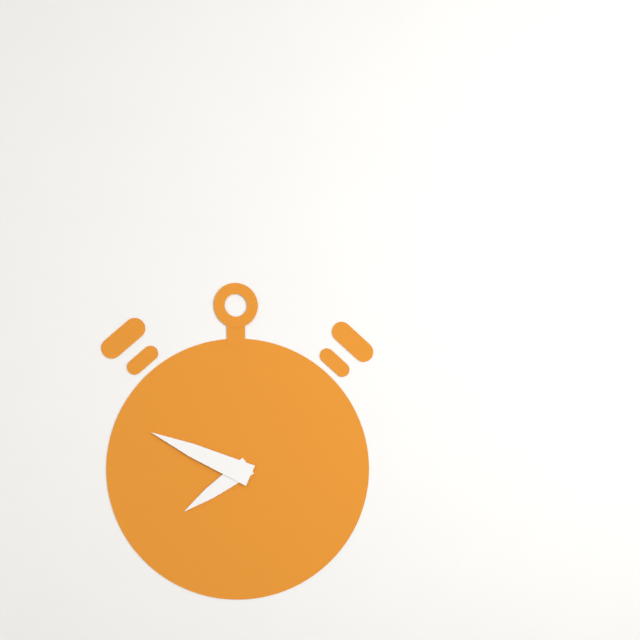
7:49
